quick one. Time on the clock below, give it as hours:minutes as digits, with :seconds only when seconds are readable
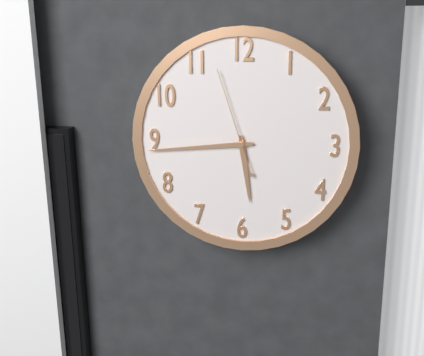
5:44:57
